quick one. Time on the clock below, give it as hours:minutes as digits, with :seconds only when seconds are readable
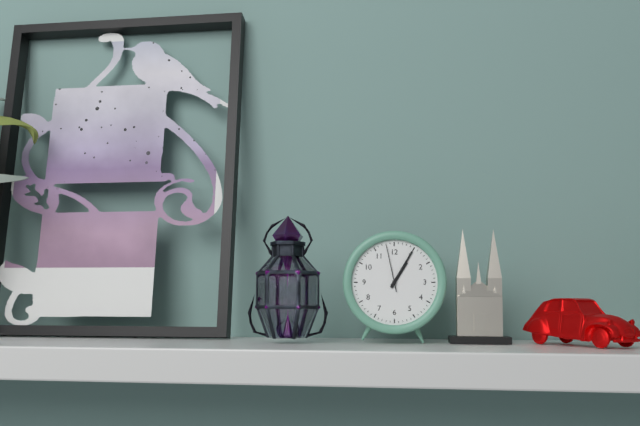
1:05
